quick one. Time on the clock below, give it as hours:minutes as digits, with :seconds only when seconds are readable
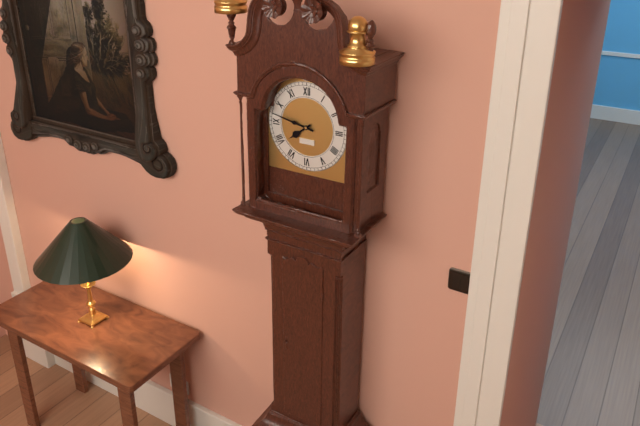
7:47
